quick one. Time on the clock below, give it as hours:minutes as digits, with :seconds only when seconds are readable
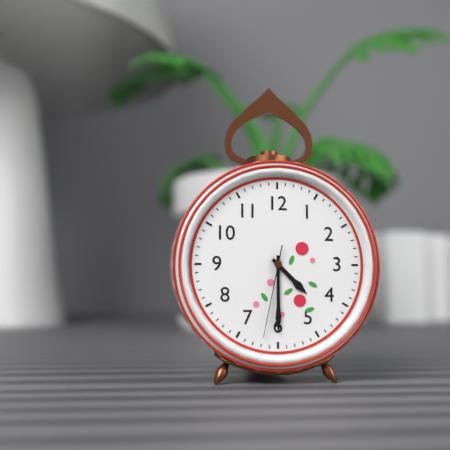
4:30:32
